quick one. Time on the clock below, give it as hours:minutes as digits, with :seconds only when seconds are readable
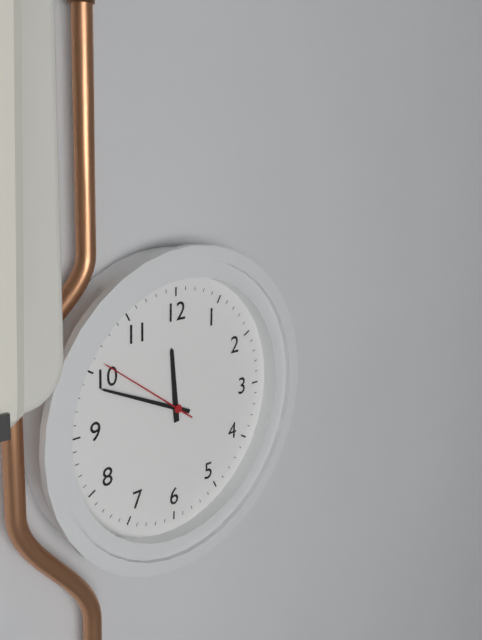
11:49:51
